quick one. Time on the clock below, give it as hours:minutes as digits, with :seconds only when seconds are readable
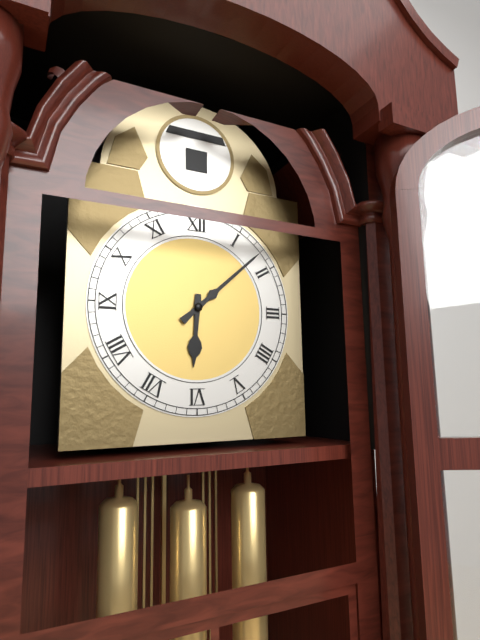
6:08
